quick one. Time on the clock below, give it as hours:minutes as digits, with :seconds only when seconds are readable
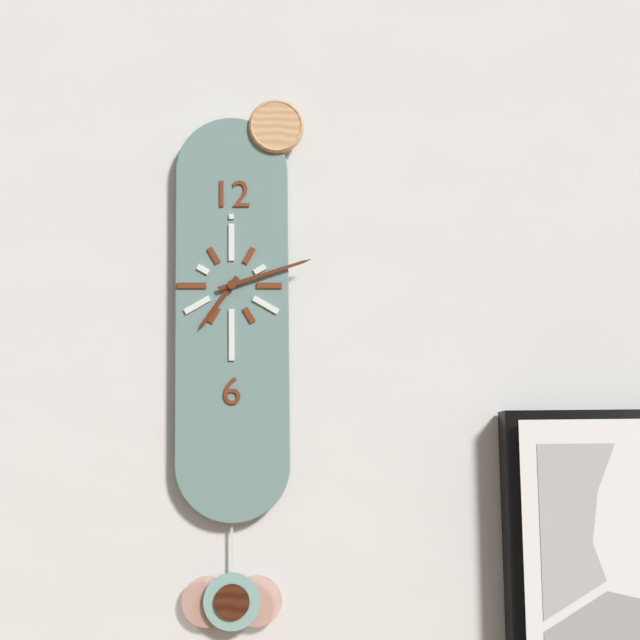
7:12
